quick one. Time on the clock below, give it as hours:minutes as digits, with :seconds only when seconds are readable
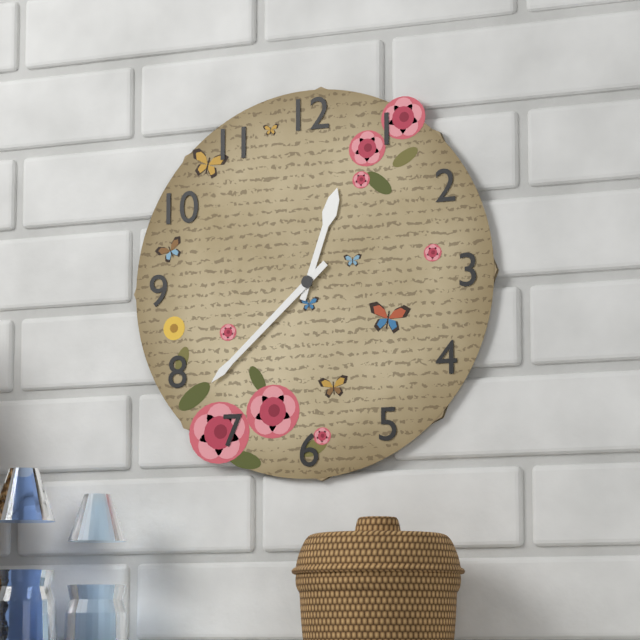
12:38
